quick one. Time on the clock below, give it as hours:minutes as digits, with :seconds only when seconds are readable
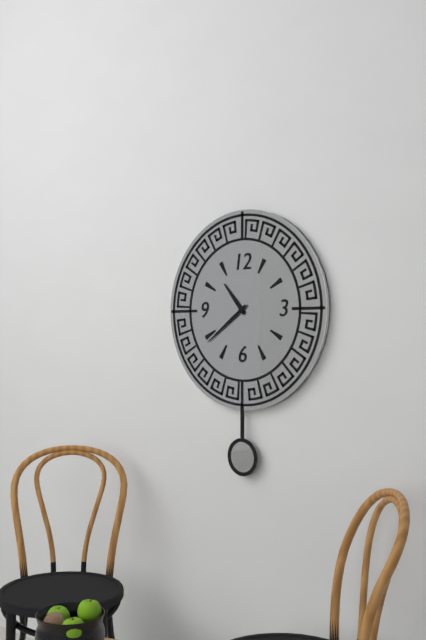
10:39
